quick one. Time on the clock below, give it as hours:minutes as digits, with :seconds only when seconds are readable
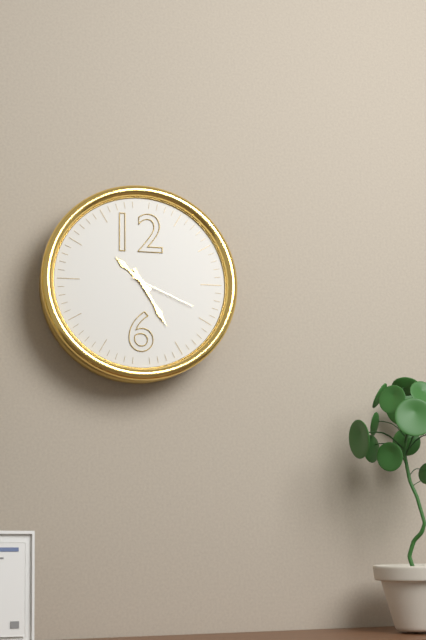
10:25:19
